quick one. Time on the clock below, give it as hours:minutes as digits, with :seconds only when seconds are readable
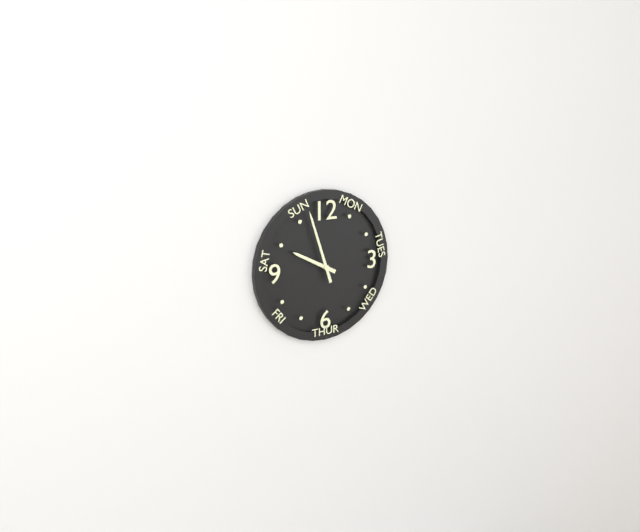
9:57
